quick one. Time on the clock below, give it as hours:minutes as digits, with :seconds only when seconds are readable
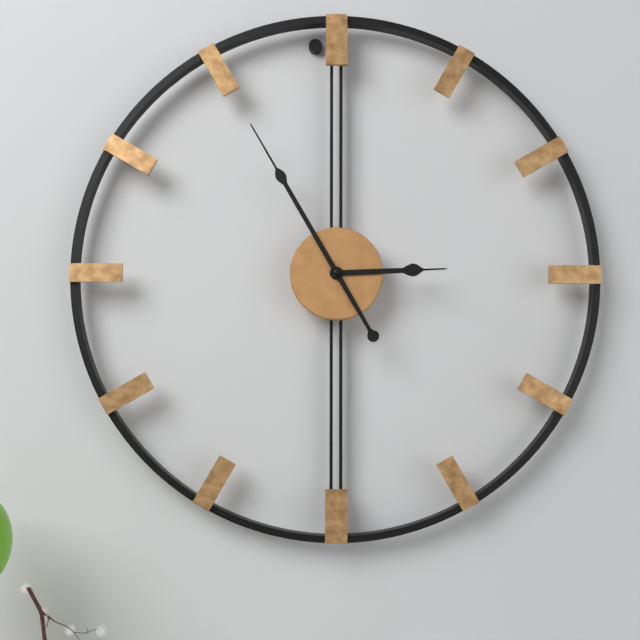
2:55
